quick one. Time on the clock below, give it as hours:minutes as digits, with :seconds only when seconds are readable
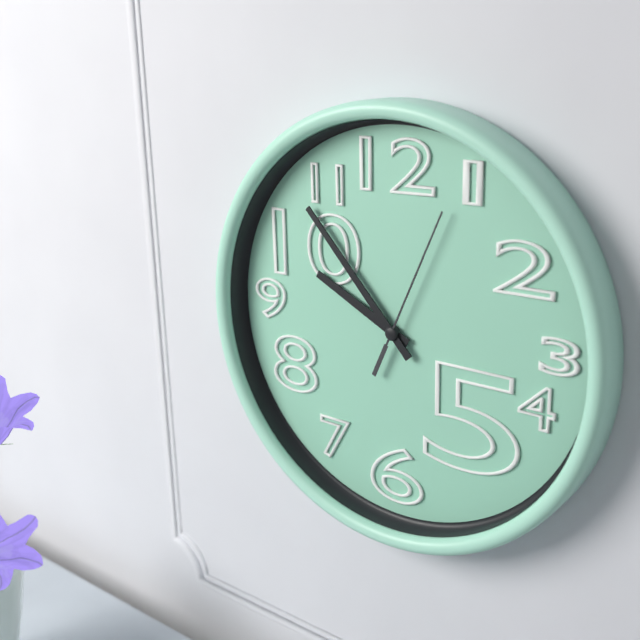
9:53:04
